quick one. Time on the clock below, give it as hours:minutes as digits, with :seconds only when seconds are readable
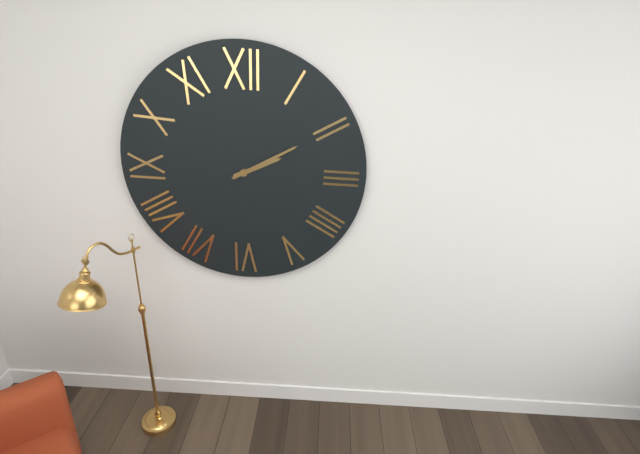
2:10
